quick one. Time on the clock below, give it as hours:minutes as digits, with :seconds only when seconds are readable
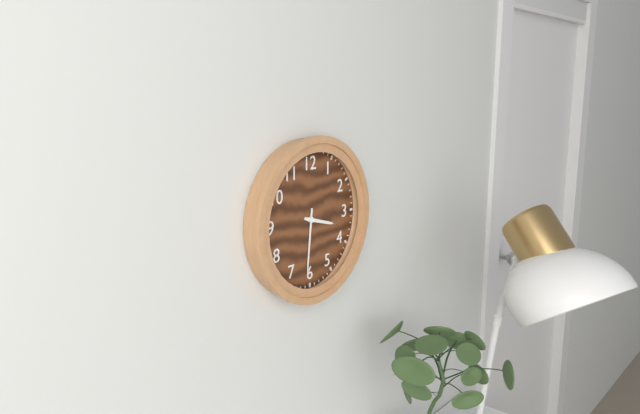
3:31
